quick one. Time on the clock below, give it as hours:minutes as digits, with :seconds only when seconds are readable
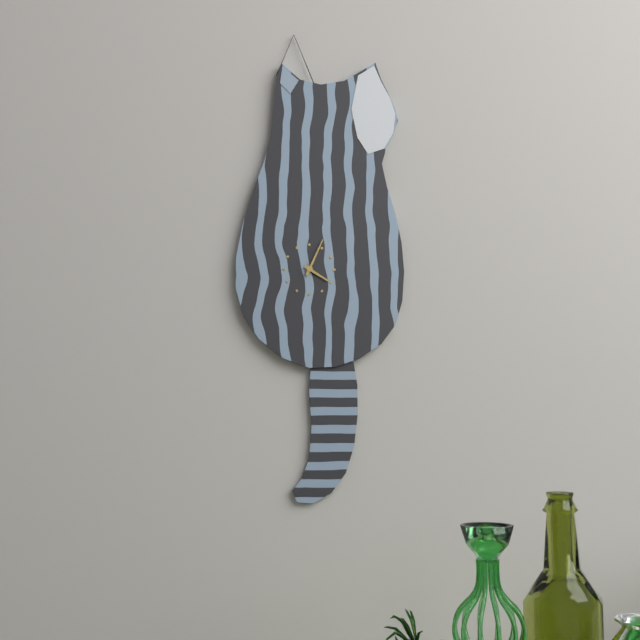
4:04
